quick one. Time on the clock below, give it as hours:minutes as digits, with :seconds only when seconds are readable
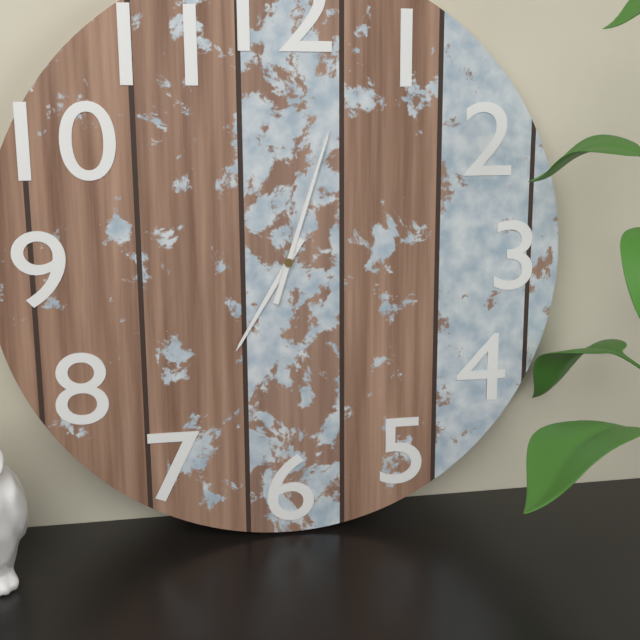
7:03
